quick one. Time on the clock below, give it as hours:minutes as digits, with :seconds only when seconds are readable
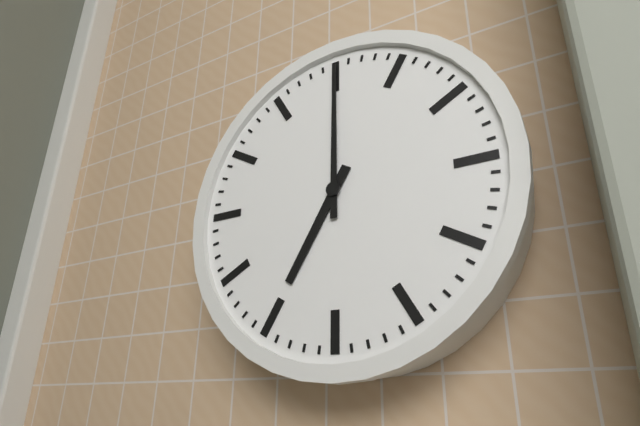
7:00
